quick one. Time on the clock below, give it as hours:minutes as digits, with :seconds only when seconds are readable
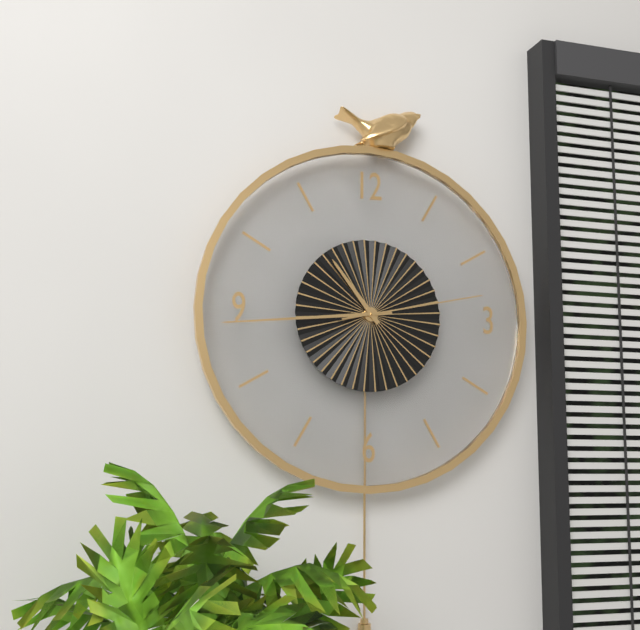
10:44:13
